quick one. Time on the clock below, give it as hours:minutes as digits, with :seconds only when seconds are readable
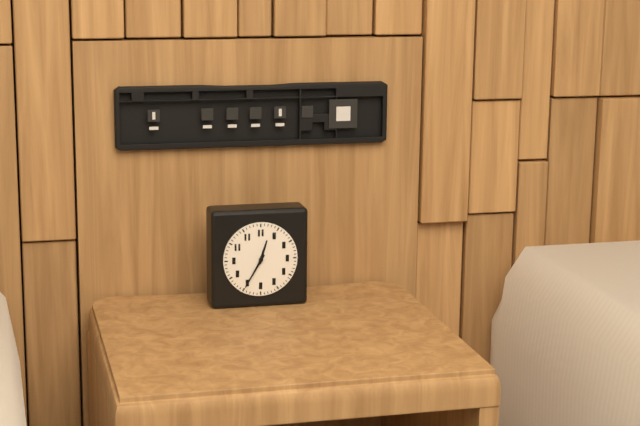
12:35
